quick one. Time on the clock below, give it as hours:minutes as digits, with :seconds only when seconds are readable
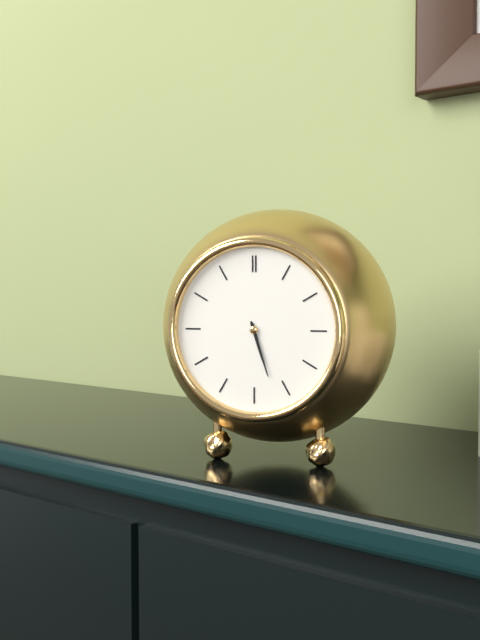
5:27
